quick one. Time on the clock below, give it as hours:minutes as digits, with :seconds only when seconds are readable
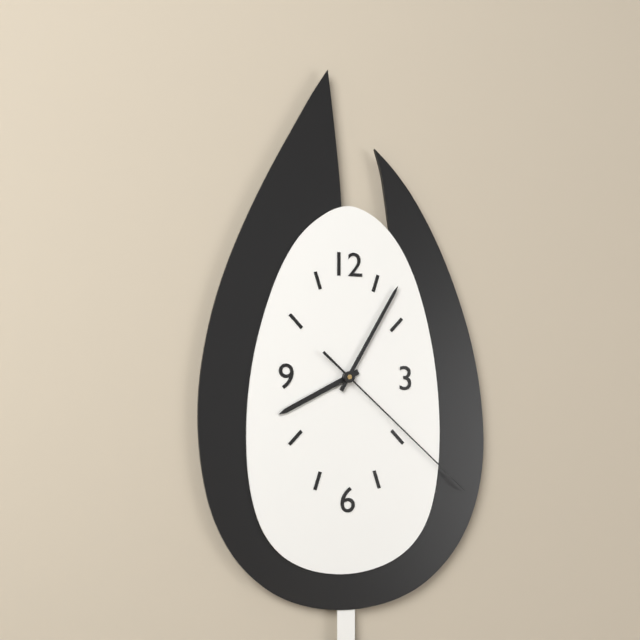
8:05:22
